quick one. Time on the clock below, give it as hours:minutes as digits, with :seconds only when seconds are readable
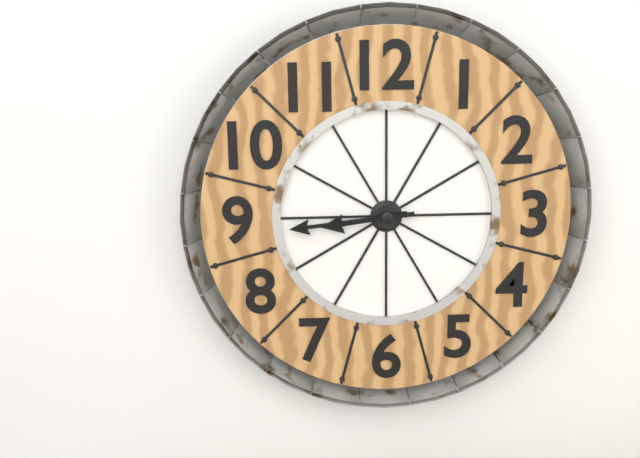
8:44
